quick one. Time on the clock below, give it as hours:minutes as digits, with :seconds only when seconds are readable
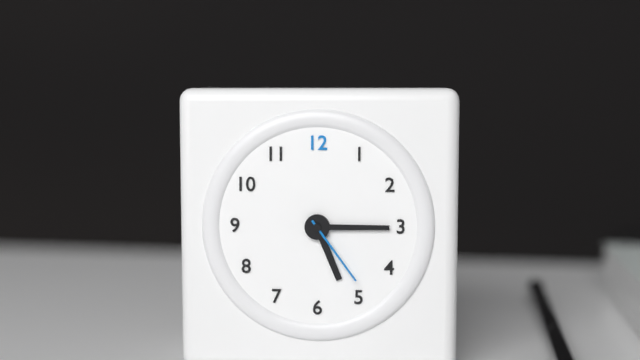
5:15:24
